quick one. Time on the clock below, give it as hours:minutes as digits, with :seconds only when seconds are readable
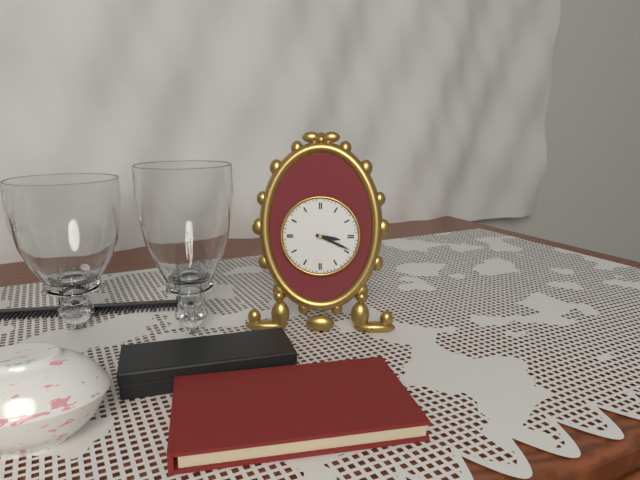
3:19
